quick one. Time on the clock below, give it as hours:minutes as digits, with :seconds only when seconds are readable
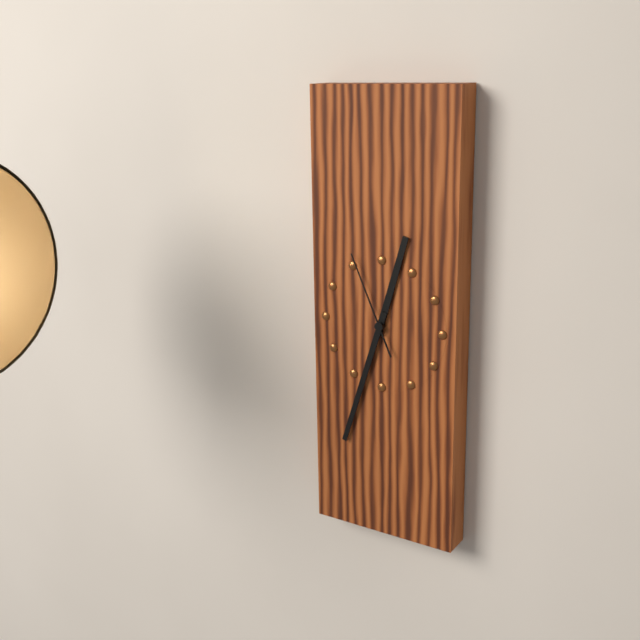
12:33:56
